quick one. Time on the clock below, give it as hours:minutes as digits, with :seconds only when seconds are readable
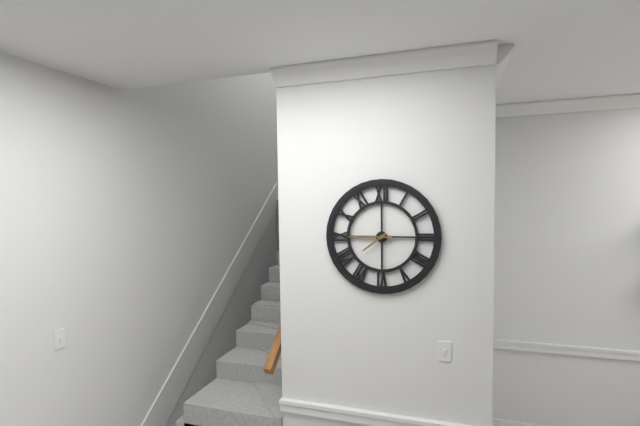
7:45
